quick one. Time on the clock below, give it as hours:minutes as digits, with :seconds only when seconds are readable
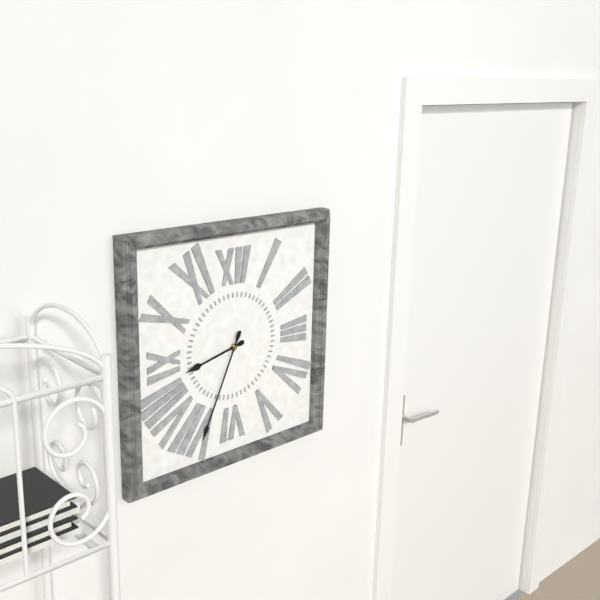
8:34
